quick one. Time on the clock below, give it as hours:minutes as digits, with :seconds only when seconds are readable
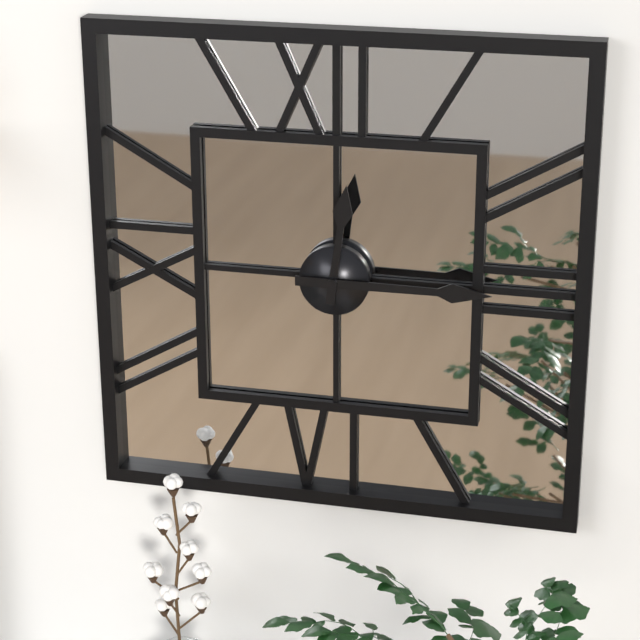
12:15
